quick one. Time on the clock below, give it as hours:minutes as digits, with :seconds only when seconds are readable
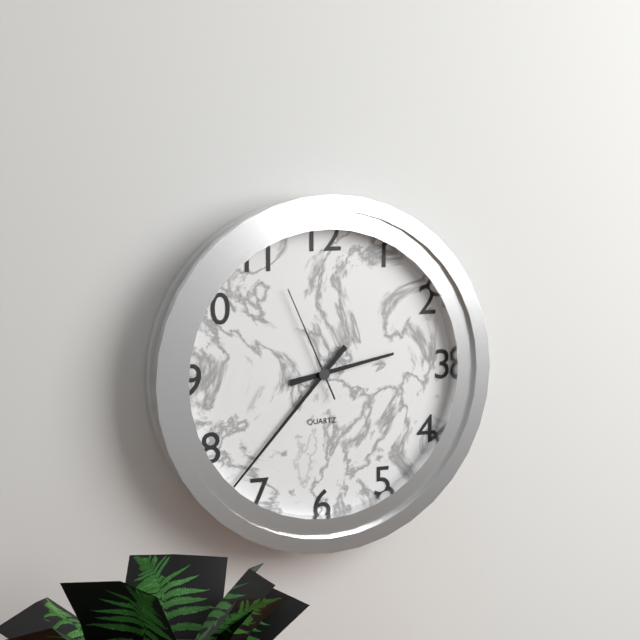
2:37:56
